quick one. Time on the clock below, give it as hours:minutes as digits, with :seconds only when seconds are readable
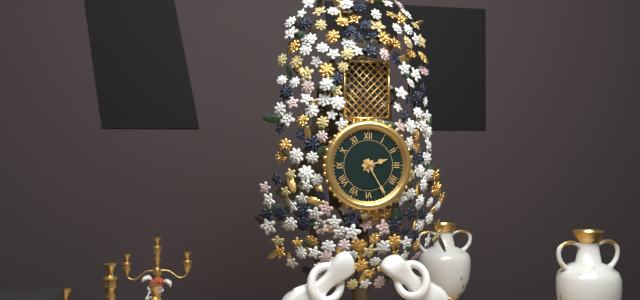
2:25
